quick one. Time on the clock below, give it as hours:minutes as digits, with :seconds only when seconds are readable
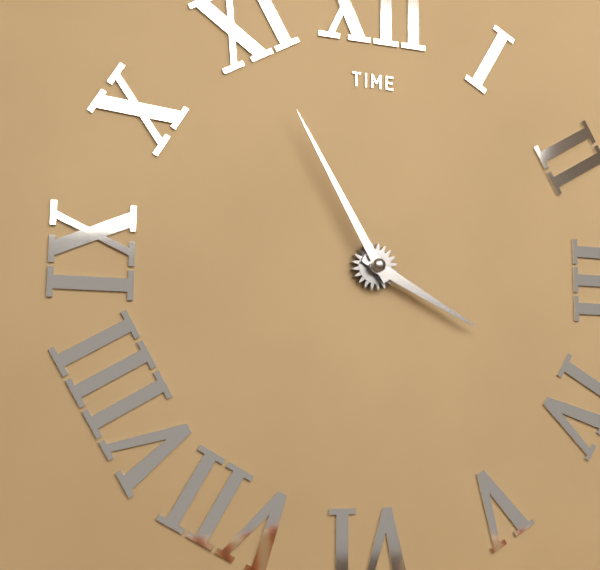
3:55
